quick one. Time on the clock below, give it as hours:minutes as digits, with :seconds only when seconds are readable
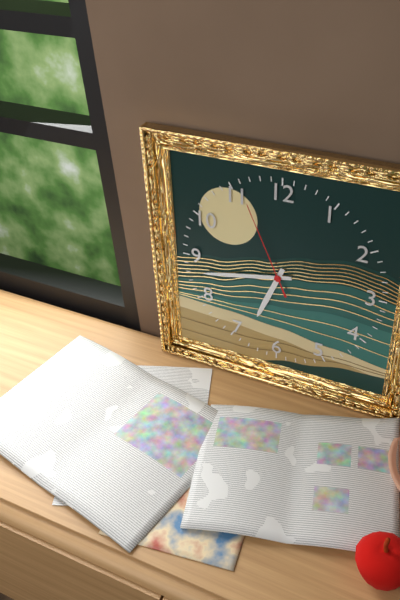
6:43:56
